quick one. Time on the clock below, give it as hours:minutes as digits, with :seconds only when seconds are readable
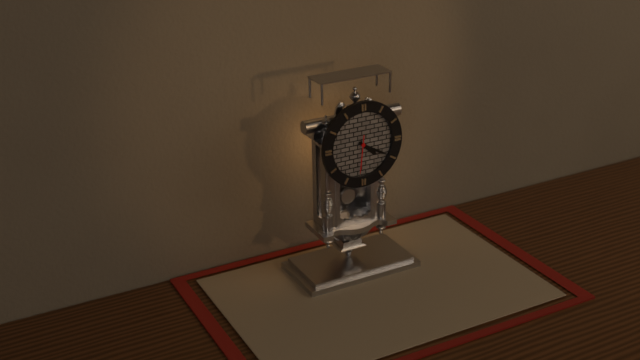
4:20
